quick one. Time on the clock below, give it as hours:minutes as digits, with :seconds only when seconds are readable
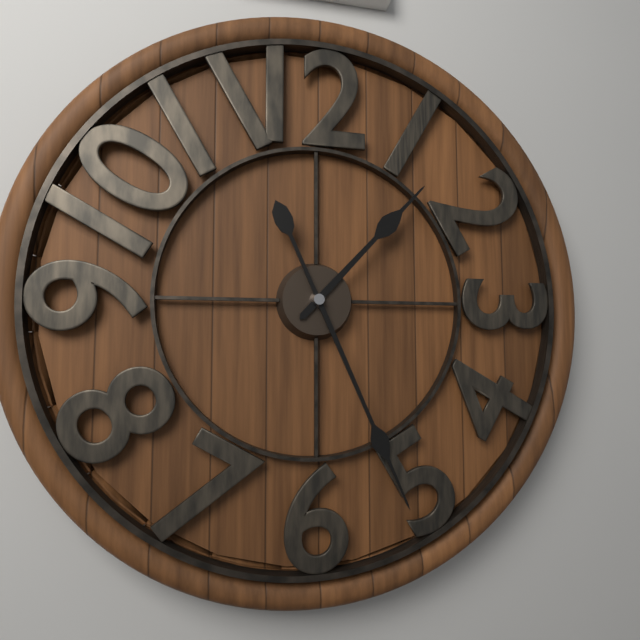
1:26
